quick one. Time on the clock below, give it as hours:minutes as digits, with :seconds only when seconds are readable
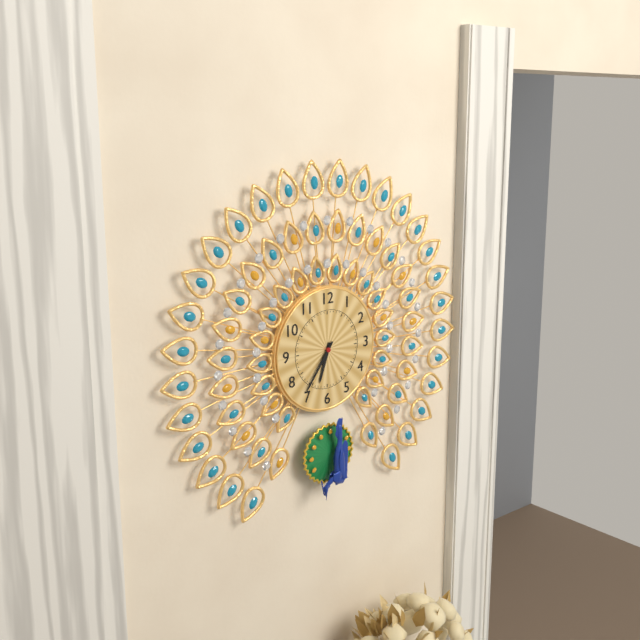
6:36
